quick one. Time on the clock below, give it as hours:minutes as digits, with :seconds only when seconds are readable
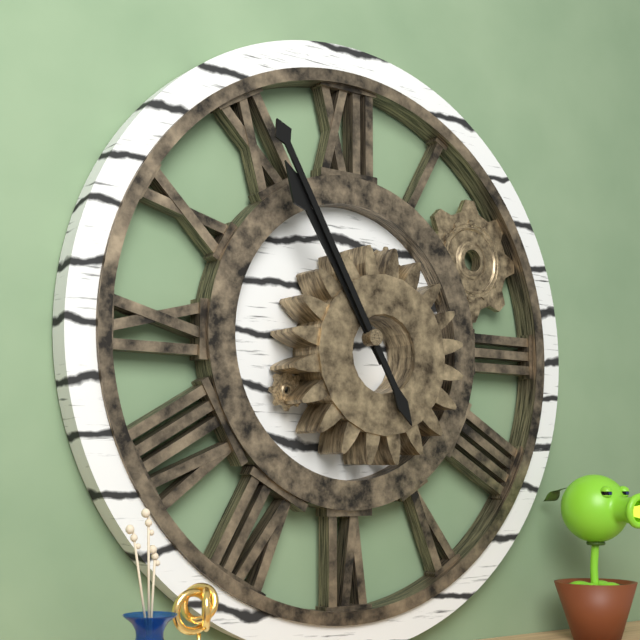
10:55
